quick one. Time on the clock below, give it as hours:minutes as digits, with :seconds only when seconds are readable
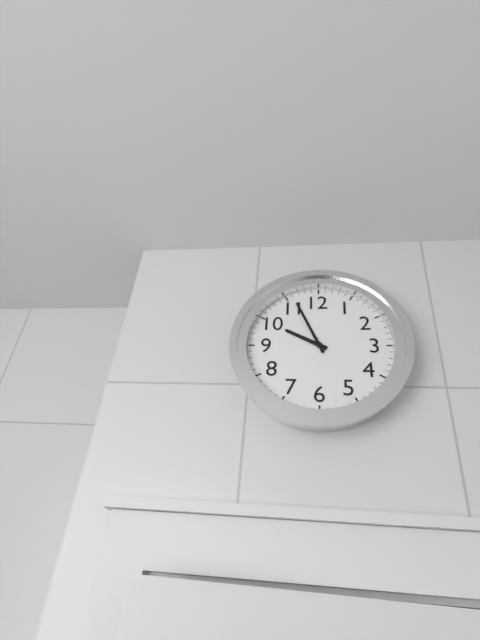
9:56
